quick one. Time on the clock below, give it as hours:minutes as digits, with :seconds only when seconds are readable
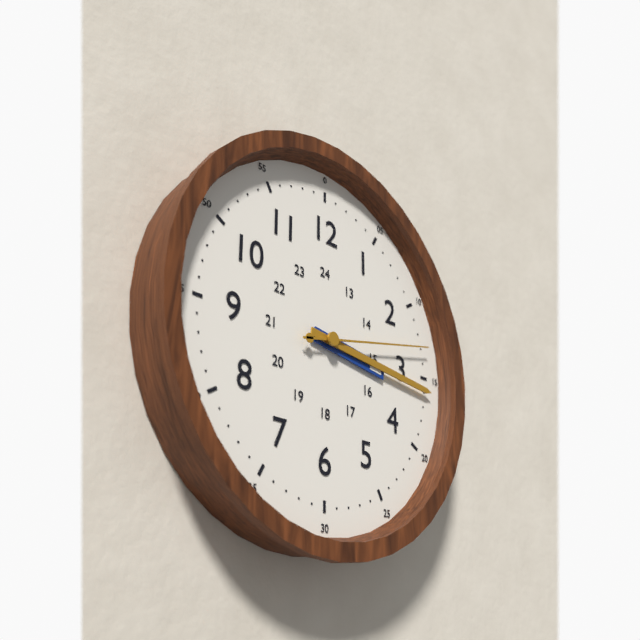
3:16:13
